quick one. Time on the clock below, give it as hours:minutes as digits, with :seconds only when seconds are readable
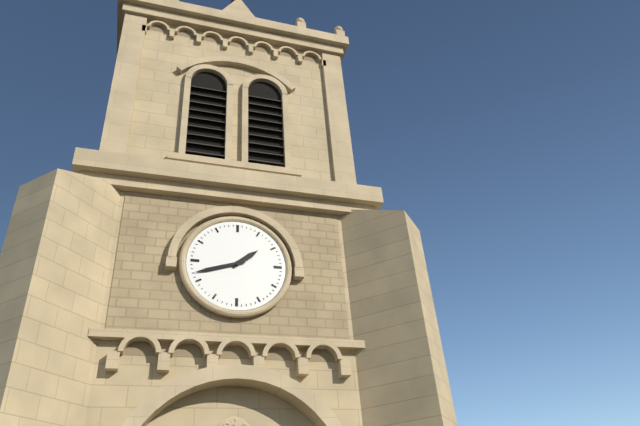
1:42
